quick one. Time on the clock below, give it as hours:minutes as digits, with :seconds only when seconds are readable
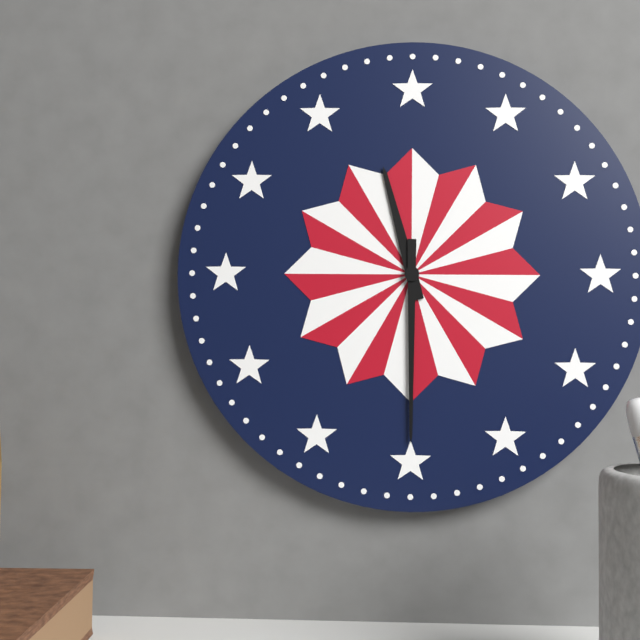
11:30
